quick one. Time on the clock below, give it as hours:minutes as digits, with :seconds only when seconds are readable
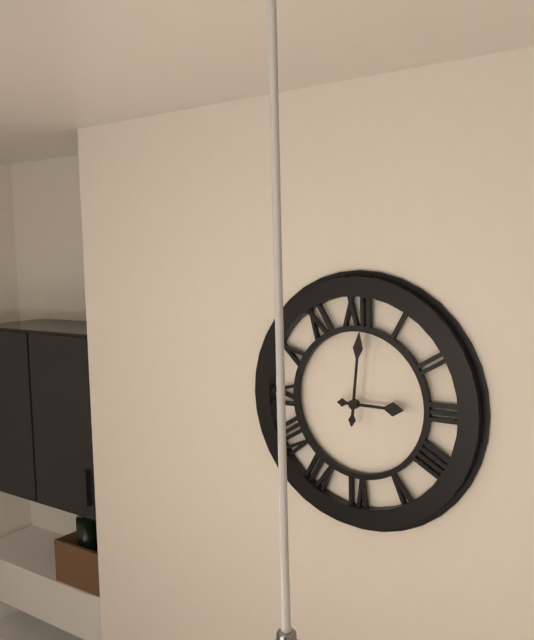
3:01
